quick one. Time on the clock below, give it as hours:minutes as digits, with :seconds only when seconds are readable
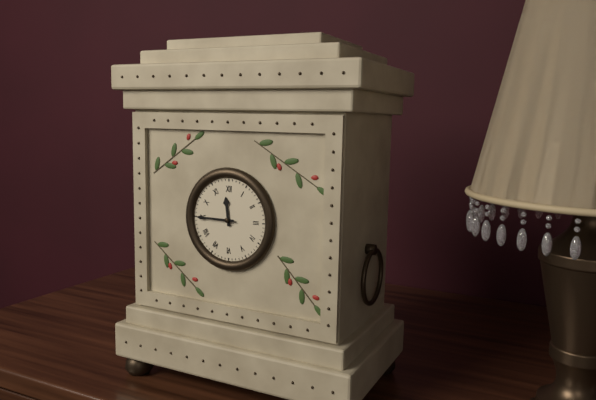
11:45
